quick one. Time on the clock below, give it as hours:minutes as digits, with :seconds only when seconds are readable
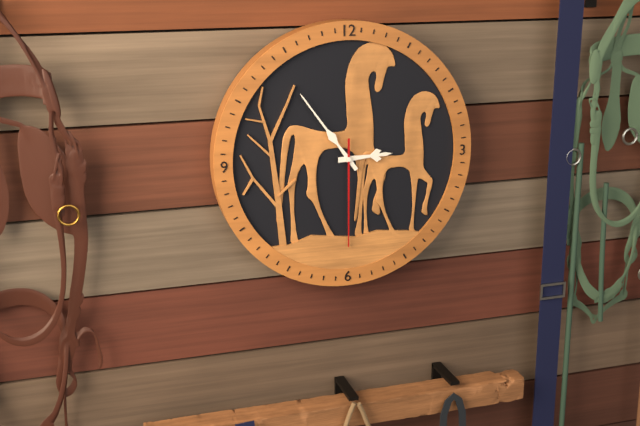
2:54:30
